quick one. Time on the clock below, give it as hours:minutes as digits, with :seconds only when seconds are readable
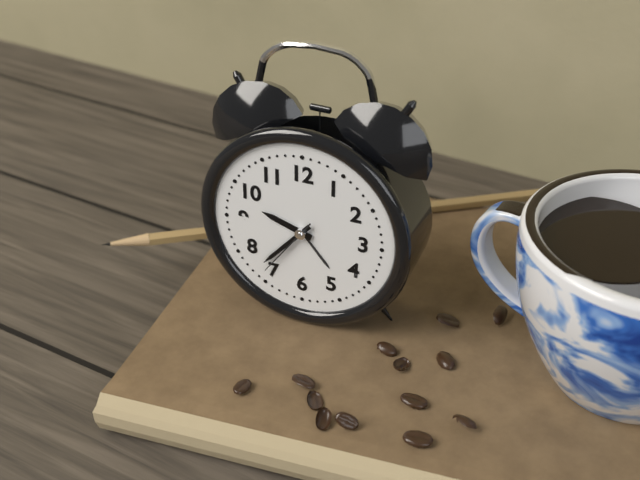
9:37:36
